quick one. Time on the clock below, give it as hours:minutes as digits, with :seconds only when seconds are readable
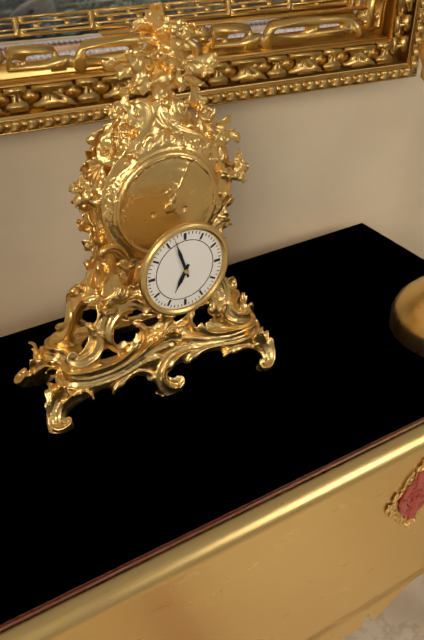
6:57
